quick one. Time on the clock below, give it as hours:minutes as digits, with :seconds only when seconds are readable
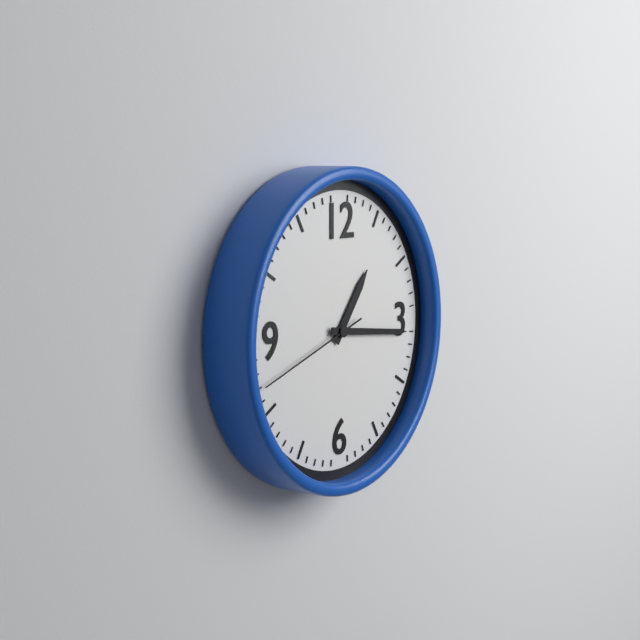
1:16:42
